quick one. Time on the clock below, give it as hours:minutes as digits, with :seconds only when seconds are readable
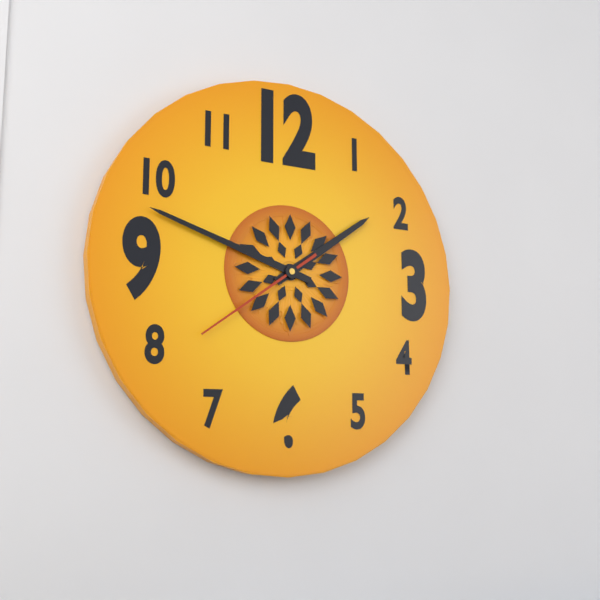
1:48:39
